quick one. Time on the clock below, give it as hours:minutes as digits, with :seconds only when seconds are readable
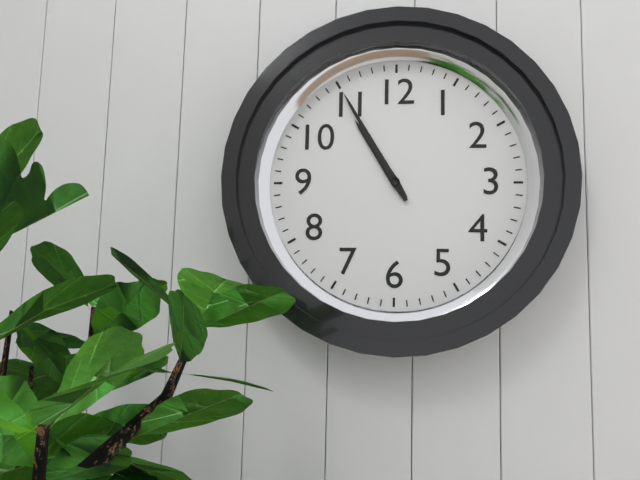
10:55
